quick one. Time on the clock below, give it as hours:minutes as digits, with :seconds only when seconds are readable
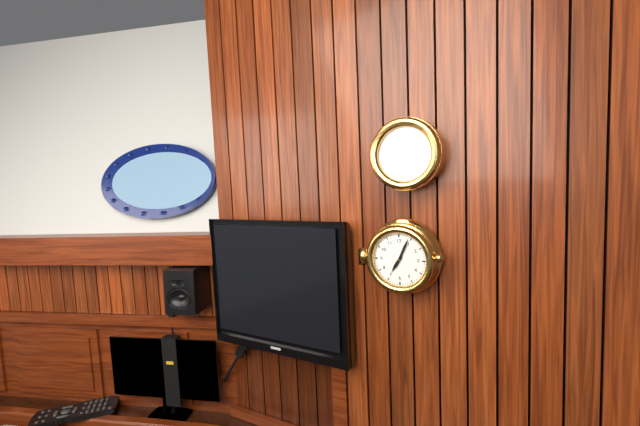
7:04
